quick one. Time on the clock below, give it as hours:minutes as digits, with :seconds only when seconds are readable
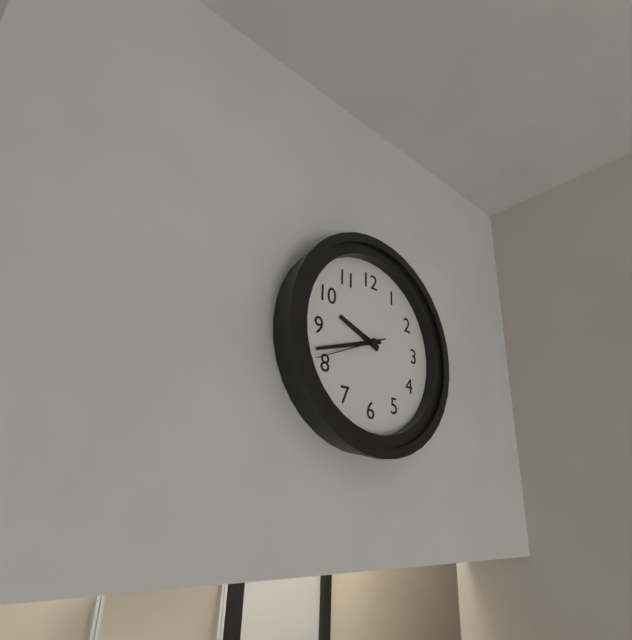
9:42:41
